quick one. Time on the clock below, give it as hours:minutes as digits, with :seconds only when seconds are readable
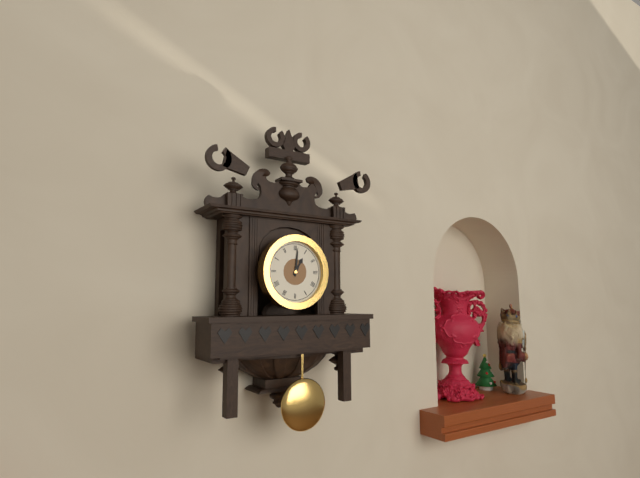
1:01
